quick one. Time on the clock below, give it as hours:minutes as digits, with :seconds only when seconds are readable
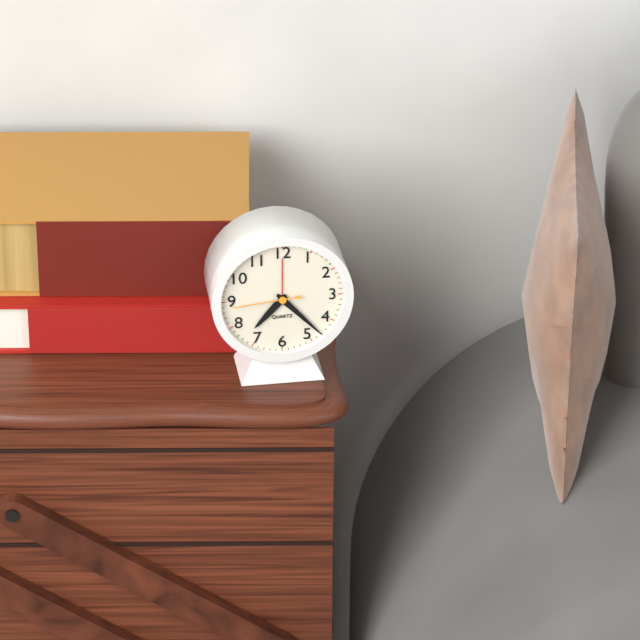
7:23:44
